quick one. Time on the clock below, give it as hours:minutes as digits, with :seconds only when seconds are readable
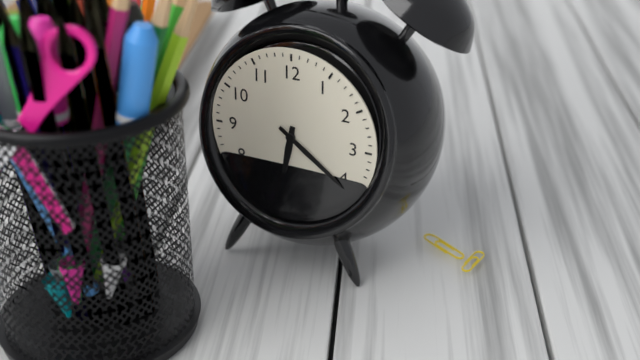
6:21
